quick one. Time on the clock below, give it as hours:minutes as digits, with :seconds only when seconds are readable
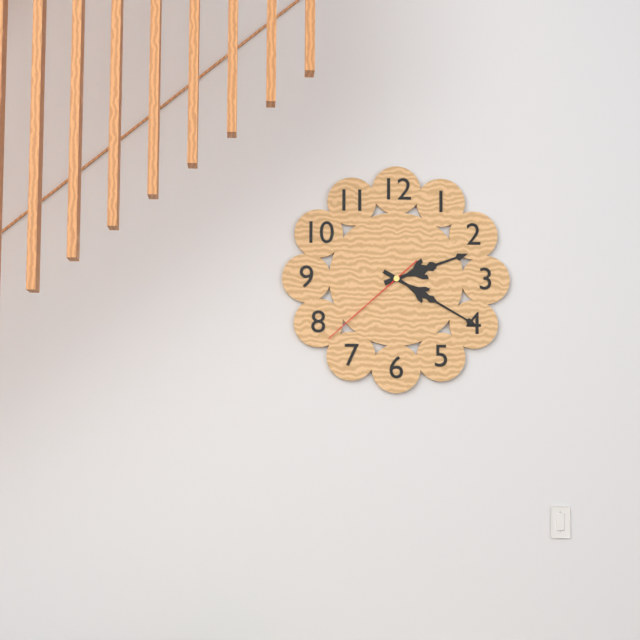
2:20:38
